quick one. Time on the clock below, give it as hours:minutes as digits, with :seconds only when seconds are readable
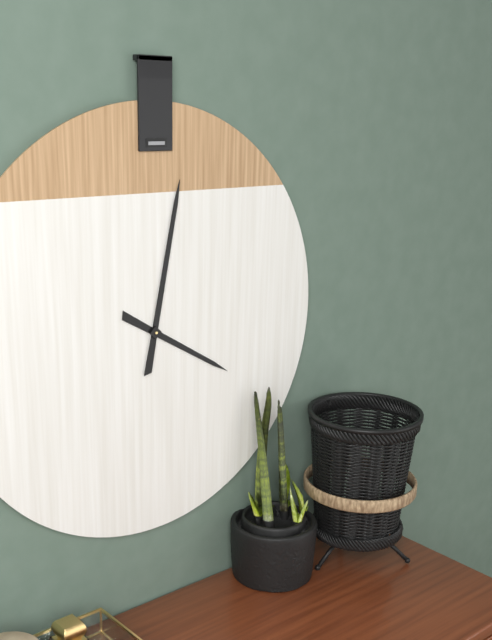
4:02
